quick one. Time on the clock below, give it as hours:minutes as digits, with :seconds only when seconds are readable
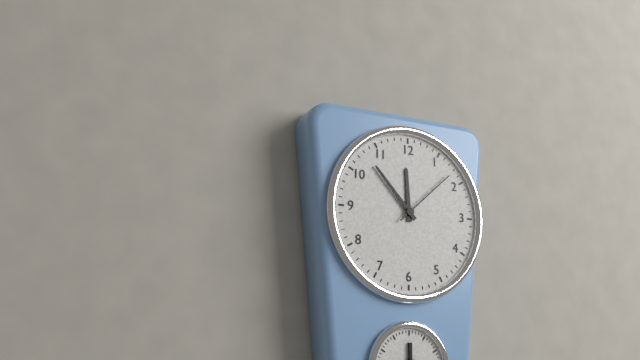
11:53:08
